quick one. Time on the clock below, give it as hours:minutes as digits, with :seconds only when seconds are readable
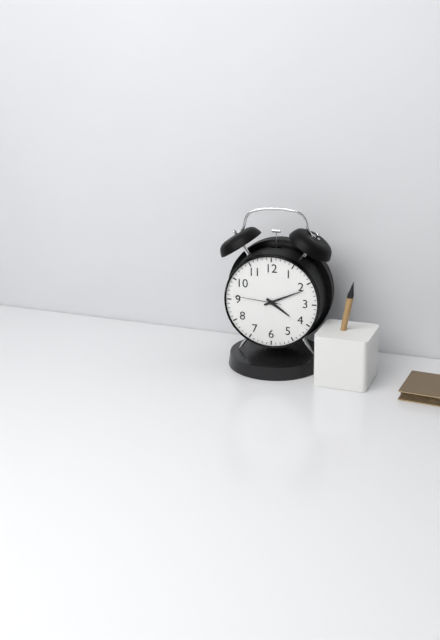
4:11
